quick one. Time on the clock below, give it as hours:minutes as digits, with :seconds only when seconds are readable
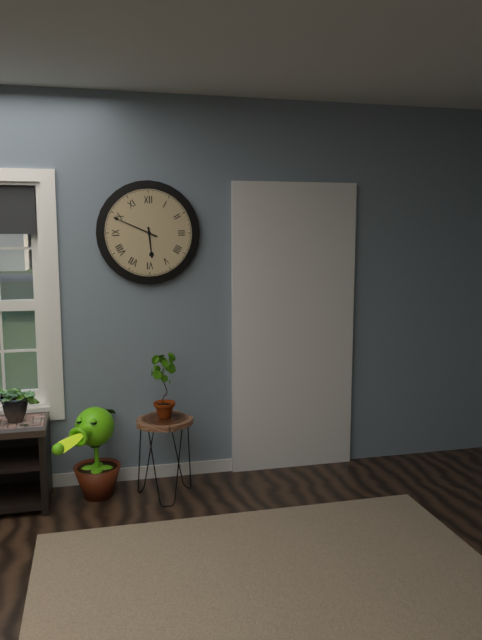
5:49
